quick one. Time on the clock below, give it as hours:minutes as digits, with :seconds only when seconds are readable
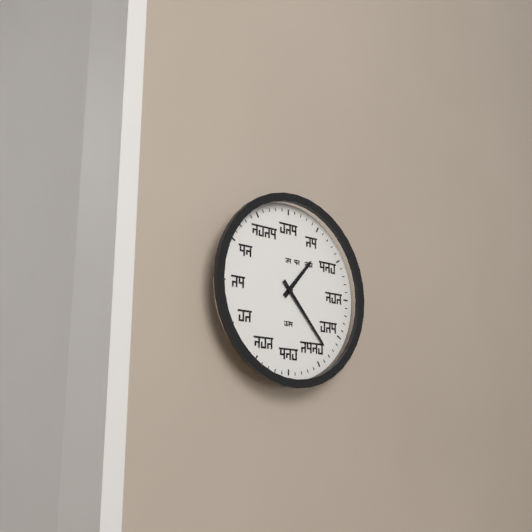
1:23
